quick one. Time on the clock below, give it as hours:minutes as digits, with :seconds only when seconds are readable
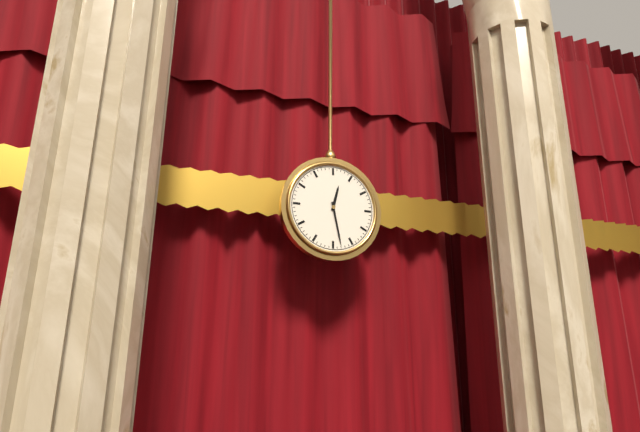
12:28
